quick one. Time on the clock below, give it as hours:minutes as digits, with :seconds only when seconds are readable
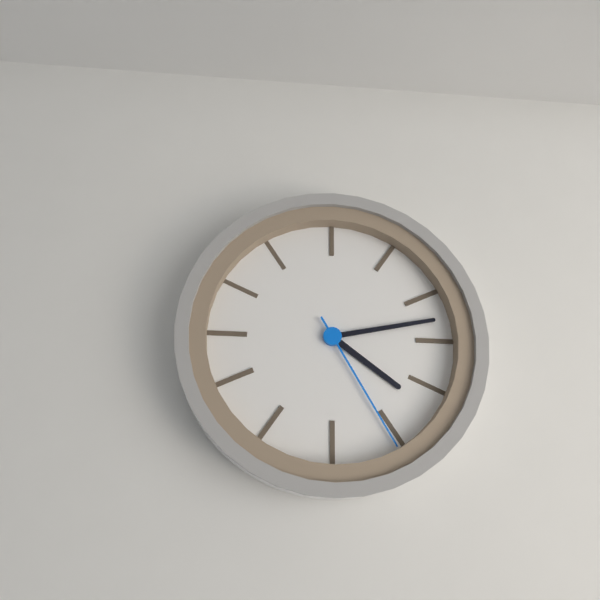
4:13:25
